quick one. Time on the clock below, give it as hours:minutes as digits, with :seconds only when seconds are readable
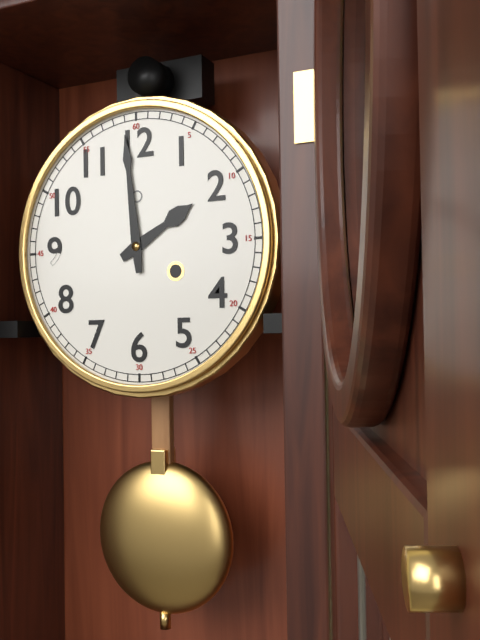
1:59
